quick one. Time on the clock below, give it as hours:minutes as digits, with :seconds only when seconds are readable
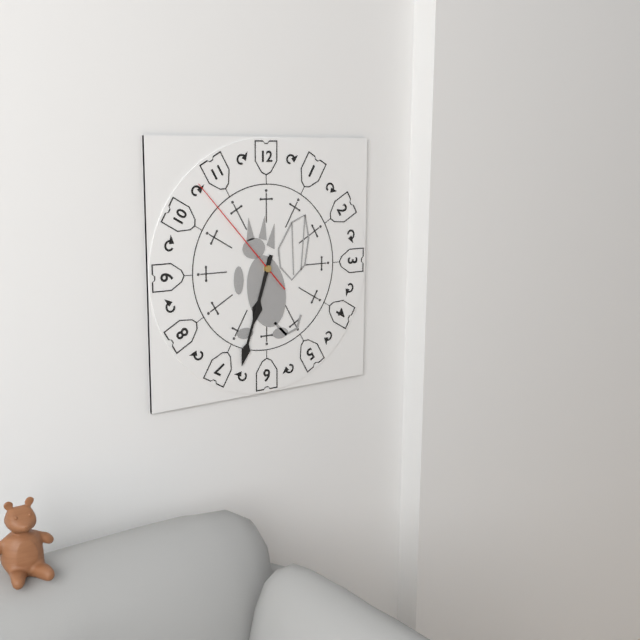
6:33:53
